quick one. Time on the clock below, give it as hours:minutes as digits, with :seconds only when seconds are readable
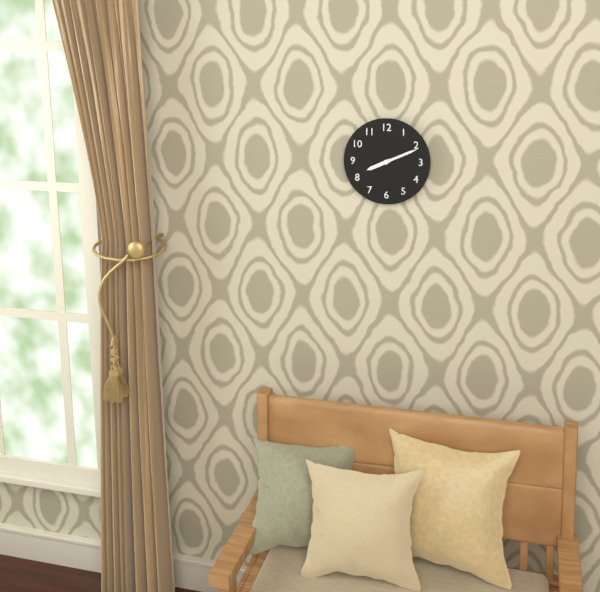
8:11
